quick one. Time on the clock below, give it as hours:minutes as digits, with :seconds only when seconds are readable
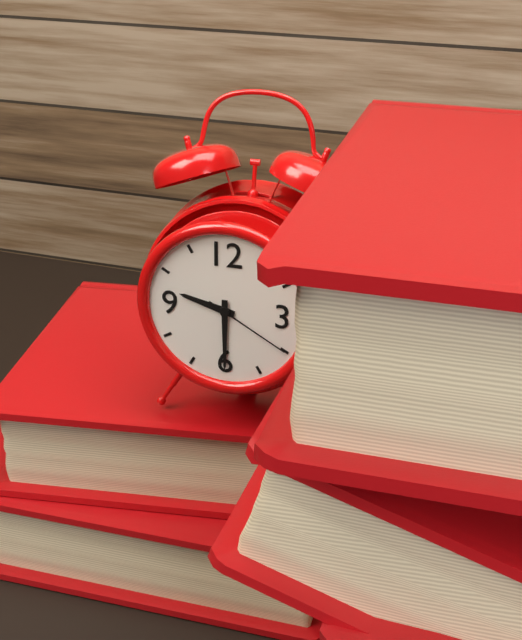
9:30:20
